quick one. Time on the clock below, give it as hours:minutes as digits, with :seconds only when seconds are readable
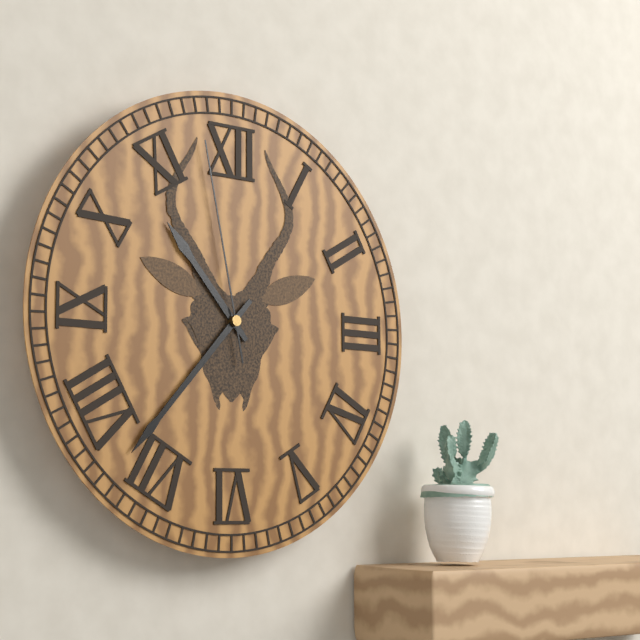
10:37:58
